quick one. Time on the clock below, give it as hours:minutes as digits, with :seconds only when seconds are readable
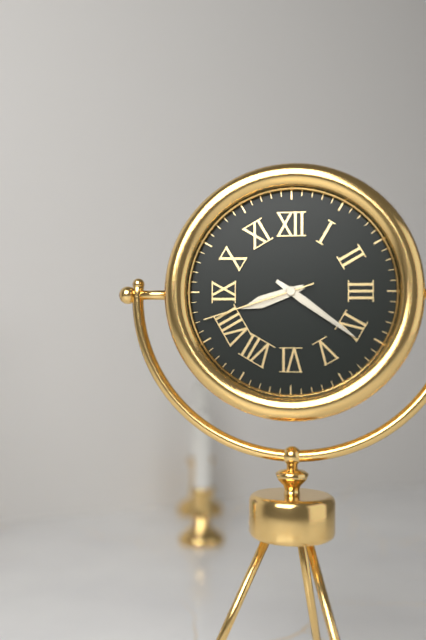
8:21:42
